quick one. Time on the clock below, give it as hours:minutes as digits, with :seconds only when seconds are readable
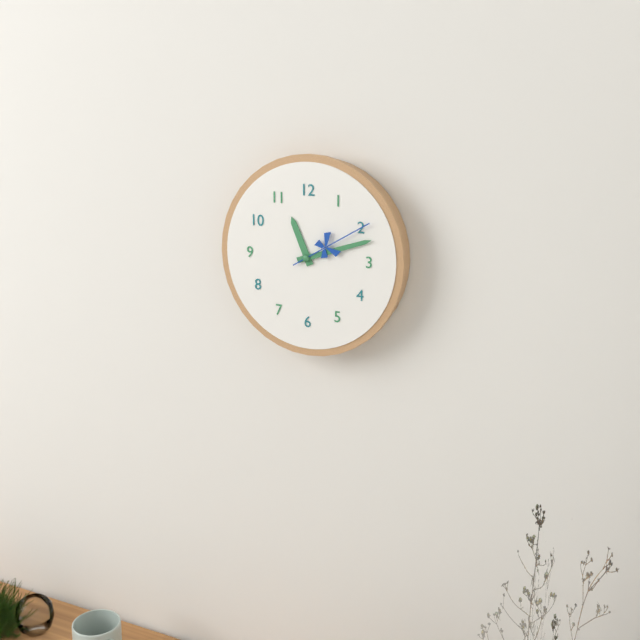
11:12:10
